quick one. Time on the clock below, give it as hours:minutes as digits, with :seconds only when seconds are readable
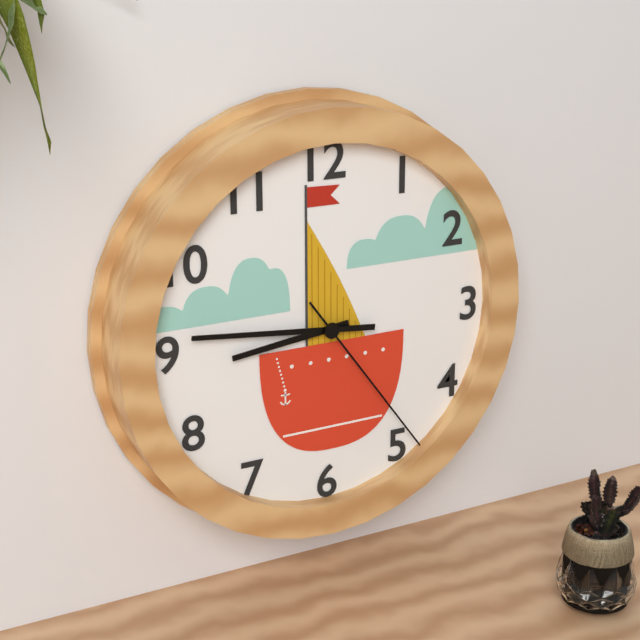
8:46:24
